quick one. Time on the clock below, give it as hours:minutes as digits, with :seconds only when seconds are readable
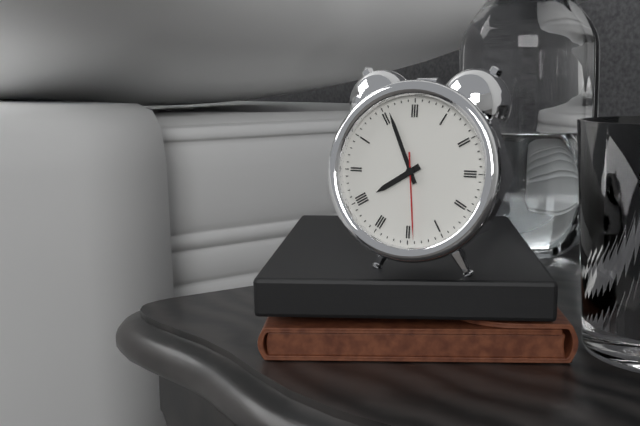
7:56:29
